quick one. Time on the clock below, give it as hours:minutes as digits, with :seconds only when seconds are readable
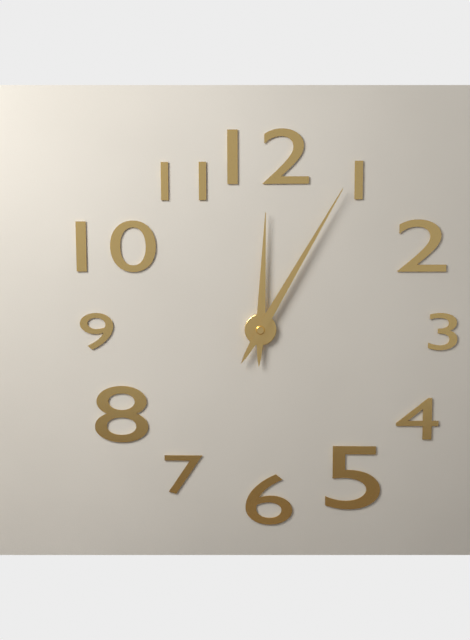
12:05
